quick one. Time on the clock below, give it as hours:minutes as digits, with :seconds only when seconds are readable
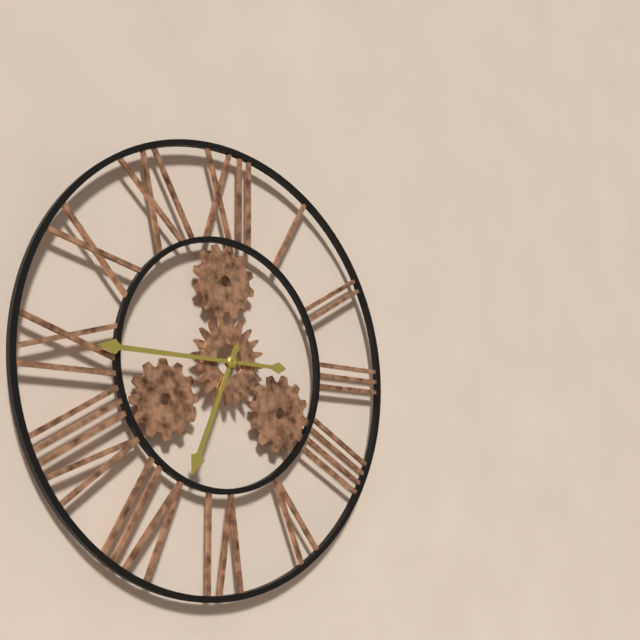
6:45
